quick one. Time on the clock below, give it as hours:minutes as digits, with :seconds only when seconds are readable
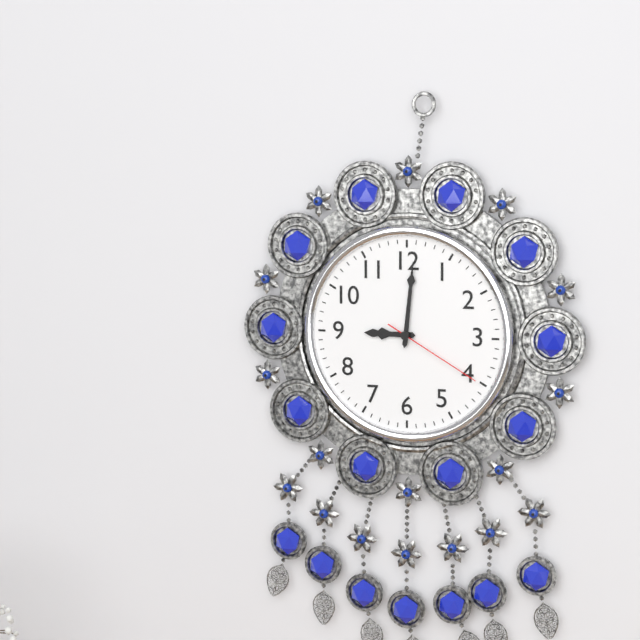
9:01:20
